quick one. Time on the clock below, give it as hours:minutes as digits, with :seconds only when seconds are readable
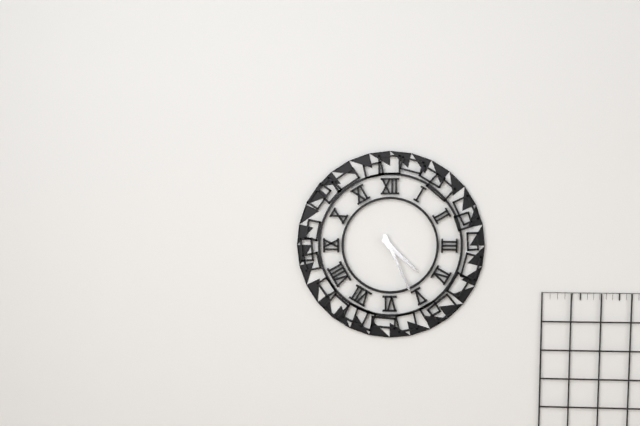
4:26
